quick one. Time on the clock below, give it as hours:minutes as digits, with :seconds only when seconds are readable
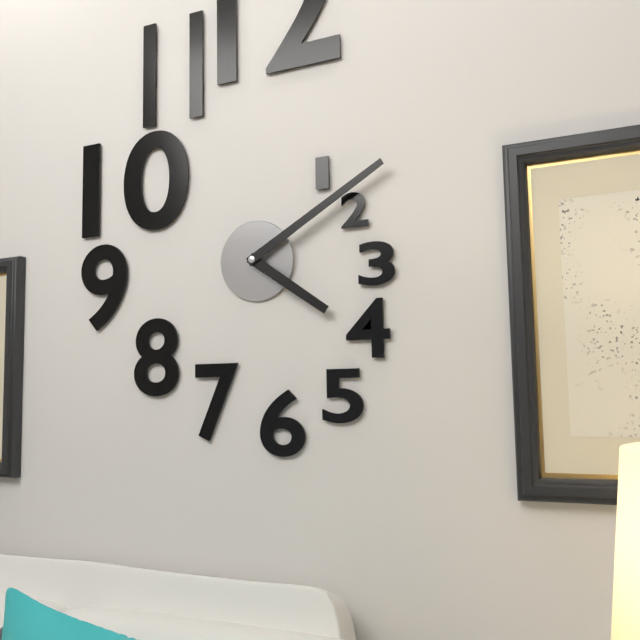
4:10
